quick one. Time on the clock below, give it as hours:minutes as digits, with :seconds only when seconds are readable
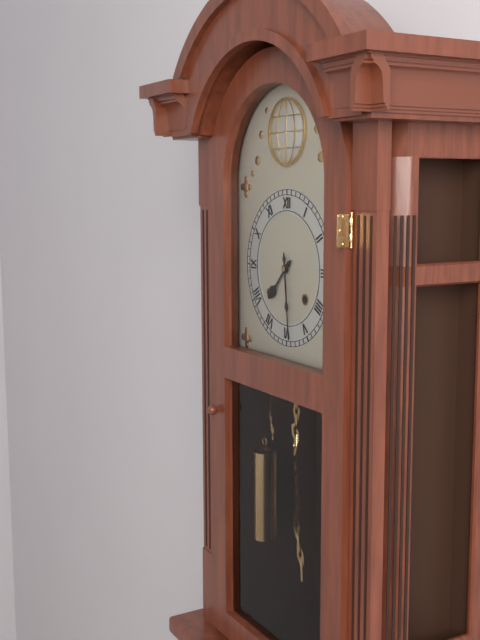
7:29
